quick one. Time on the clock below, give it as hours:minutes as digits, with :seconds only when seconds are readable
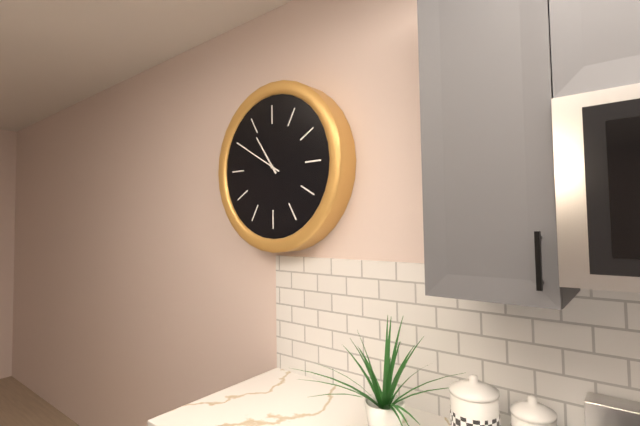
10:50
